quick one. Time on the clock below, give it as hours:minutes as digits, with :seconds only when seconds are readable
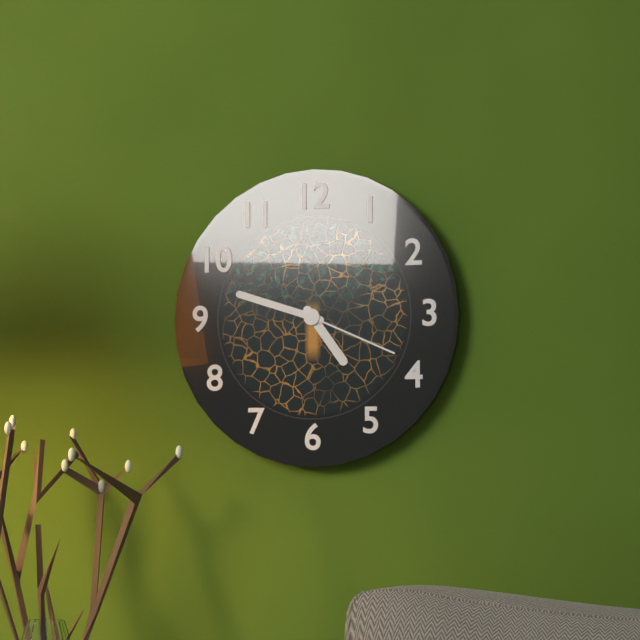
4:48:19
